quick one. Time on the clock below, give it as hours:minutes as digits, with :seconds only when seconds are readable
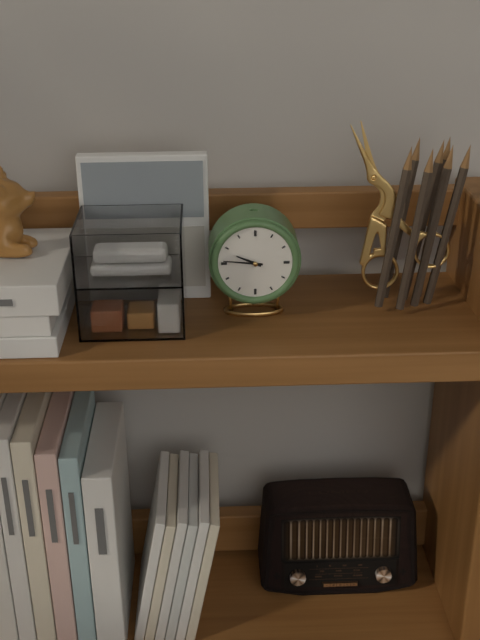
9:46
